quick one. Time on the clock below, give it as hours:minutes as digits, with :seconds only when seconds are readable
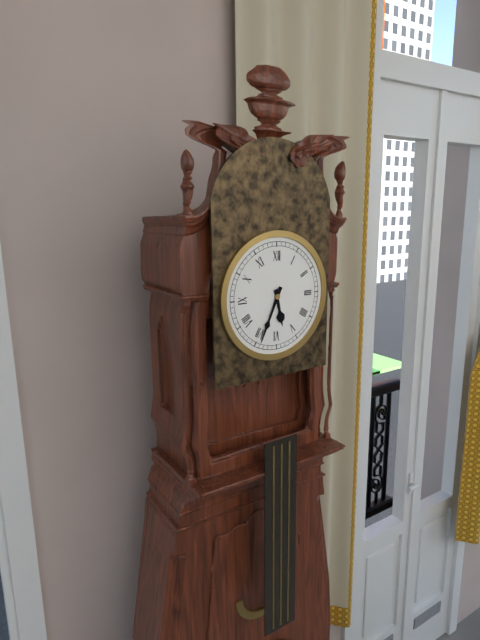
5:34
